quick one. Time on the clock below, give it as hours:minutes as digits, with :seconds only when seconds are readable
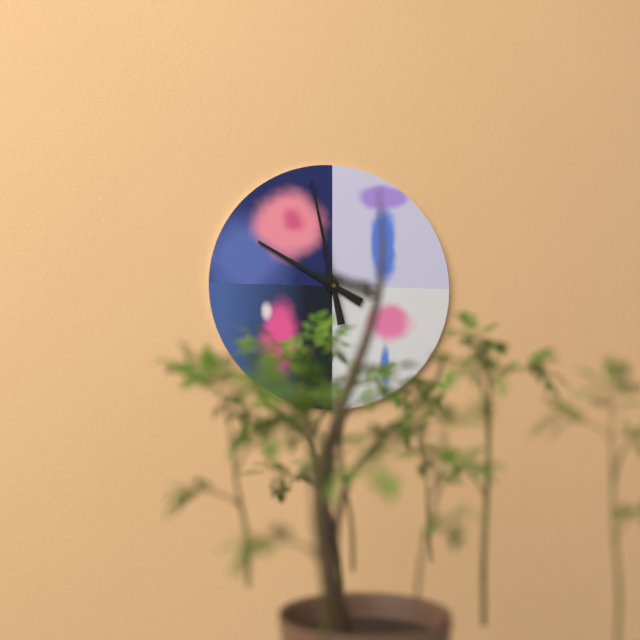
9:58
